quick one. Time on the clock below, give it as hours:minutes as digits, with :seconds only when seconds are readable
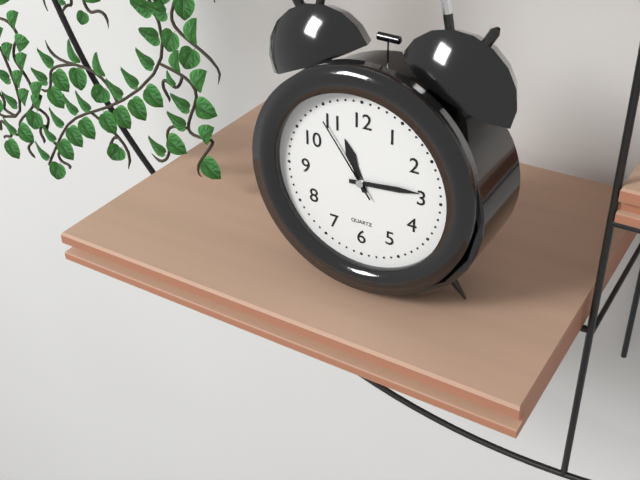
11:14:54
